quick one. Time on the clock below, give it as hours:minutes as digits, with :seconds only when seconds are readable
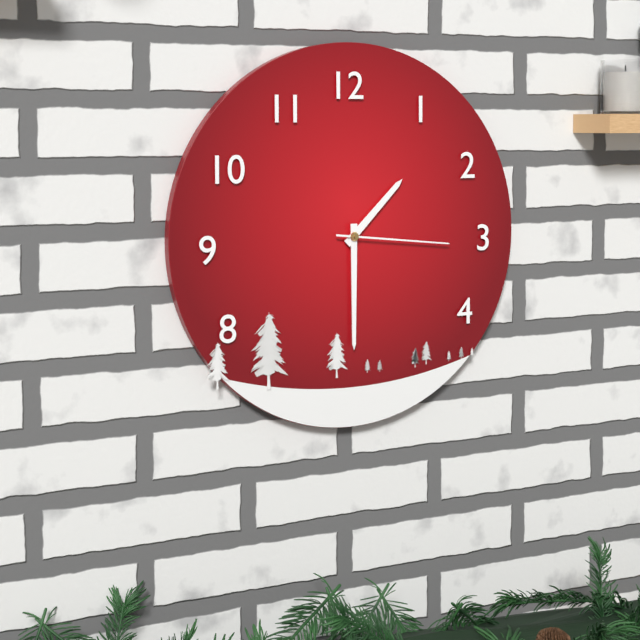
1:30:16
